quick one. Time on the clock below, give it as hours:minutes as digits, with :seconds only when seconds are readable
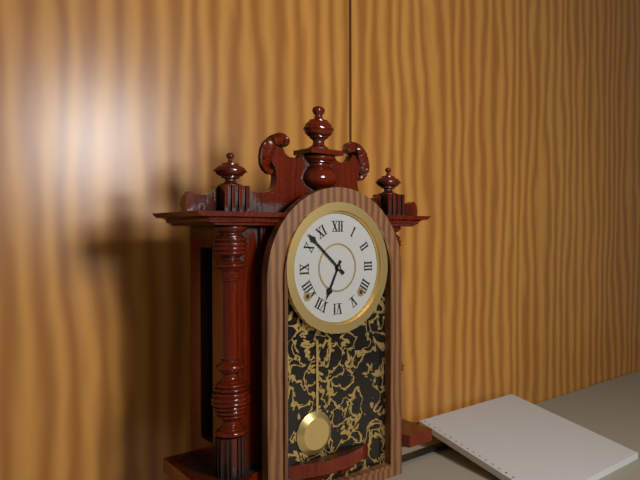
6:52
